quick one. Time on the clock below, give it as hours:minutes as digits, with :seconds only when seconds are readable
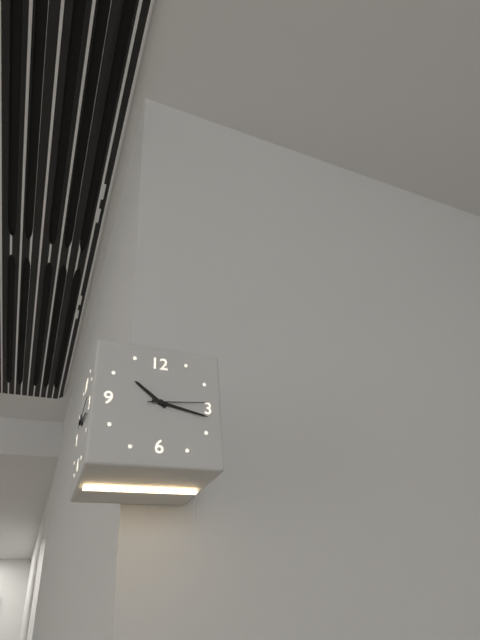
10:17:14
